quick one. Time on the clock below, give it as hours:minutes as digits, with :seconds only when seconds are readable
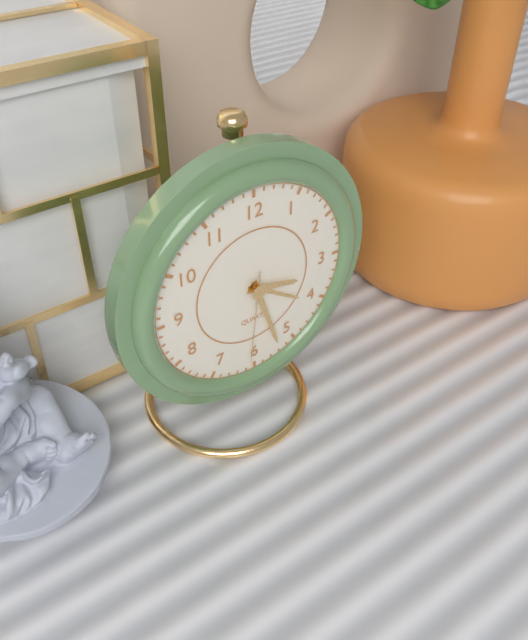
3:27:31
